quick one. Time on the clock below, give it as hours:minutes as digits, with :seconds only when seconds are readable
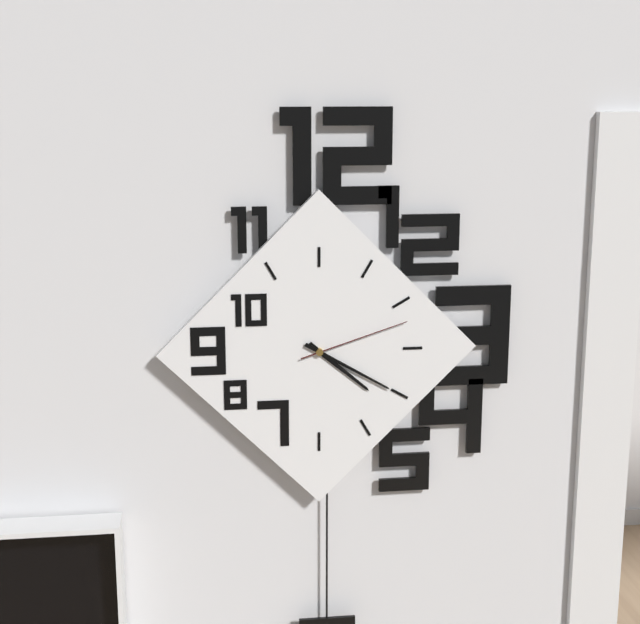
4:20:12
